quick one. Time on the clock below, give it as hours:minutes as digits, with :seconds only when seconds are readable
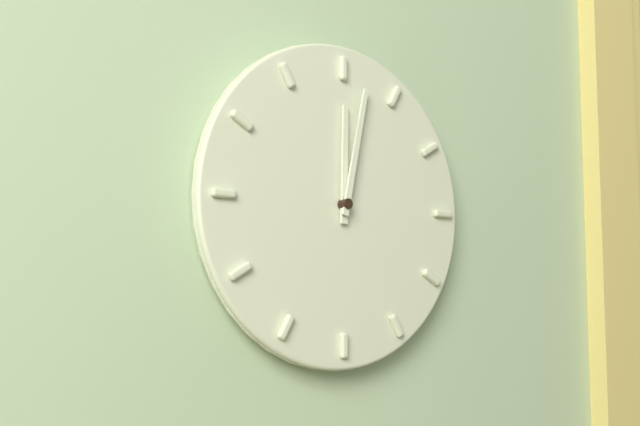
12:02
